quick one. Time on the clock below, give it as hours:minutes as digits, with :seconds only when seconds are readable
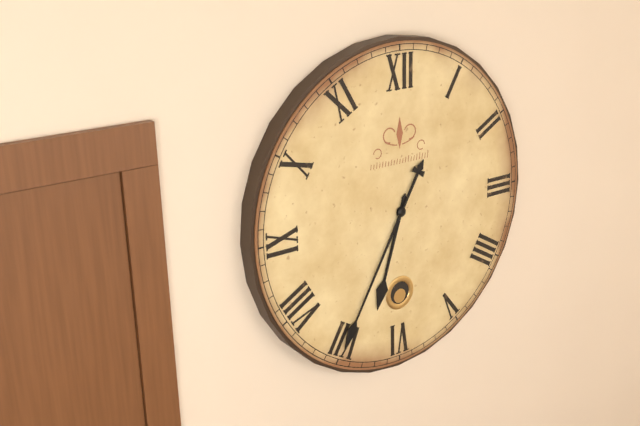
6:35
